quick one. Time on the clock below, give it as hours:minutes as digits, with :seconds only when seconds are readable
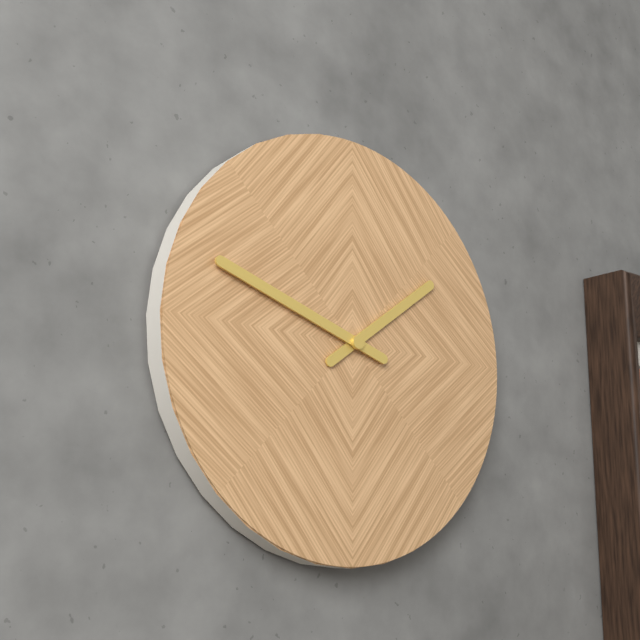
1:48
